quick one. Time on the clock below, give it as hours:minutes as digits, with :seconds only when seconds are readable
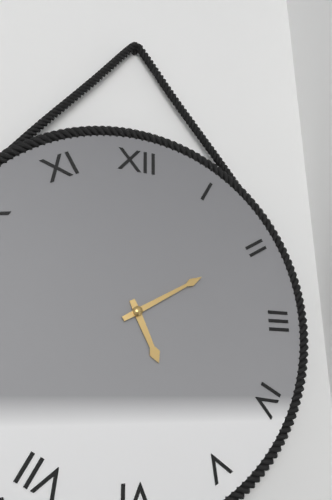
5:10
